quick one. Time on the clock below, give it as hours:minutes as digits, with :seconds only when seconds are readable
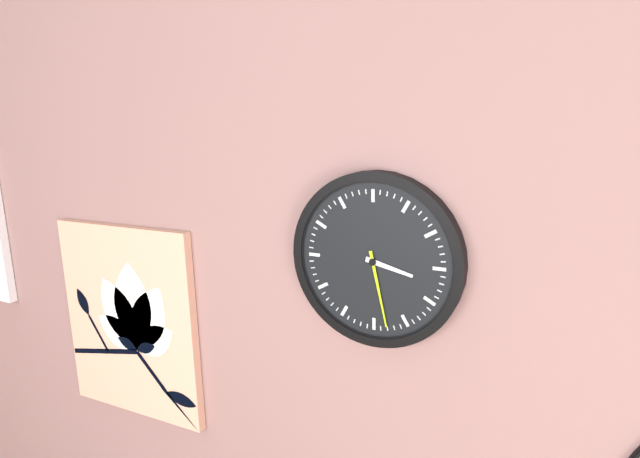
3:28
